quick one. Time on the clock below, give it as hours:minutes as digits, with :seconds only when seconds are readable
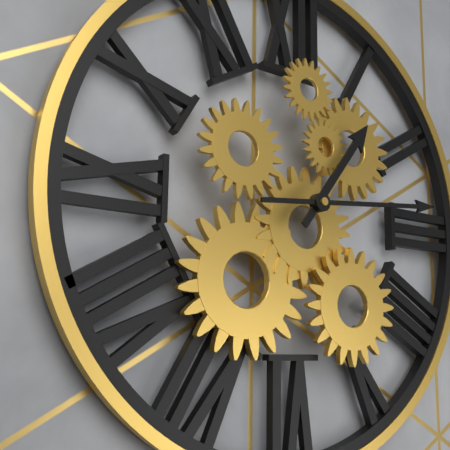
1:14
